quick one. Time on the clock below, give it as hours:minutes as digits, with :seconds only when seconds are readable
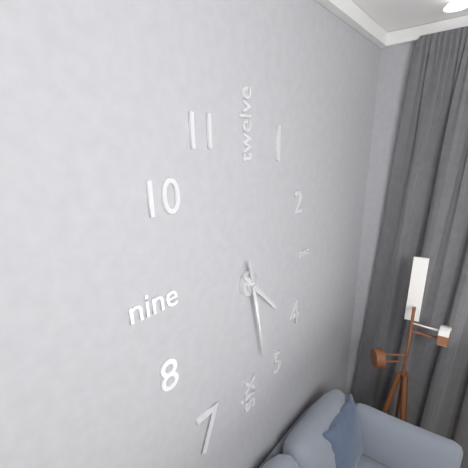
4:28
